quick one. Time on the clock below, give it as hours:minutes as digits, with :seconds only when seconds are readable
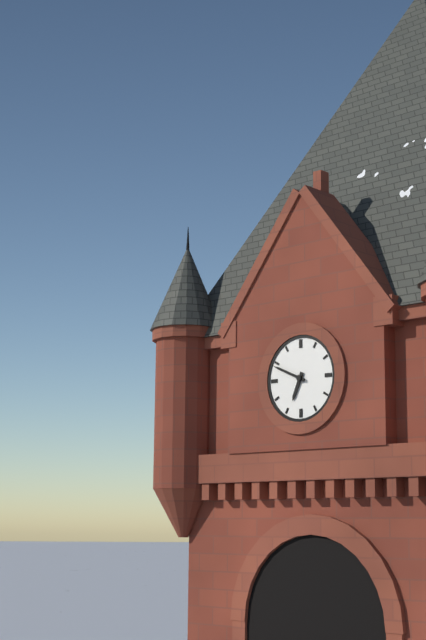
6:49
